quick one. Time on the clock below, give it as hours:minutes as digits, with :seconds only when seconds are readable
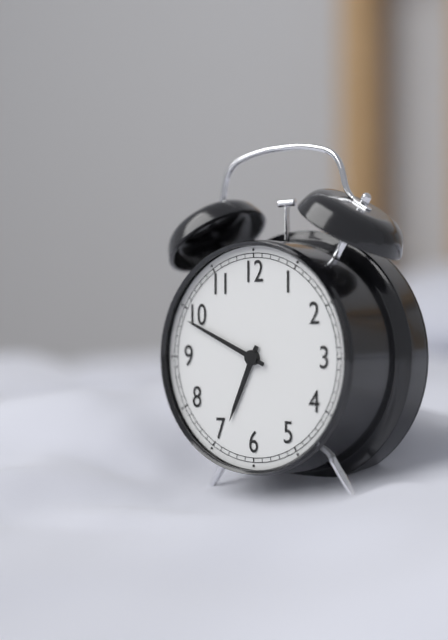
6:49
